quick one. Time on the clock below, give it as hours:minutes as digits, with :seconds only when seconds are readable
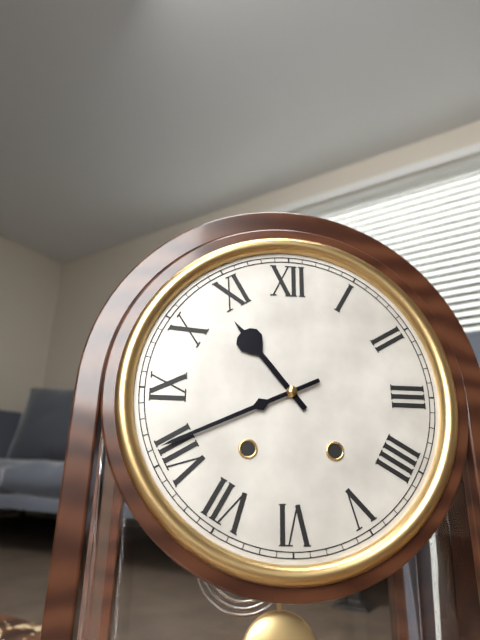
10:41
